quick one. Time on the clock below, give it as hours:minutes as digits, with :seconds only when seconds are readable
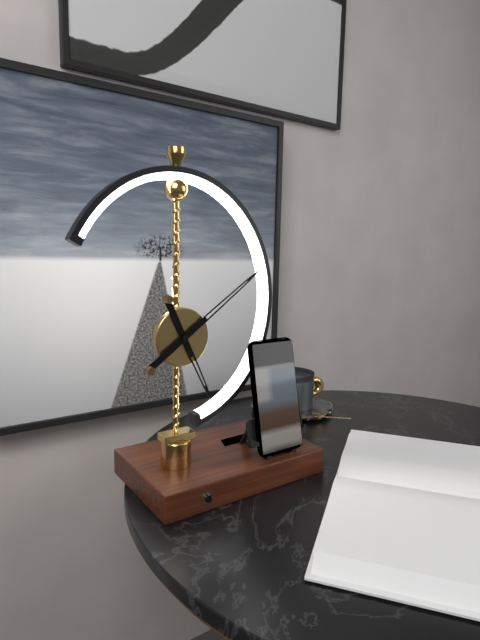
5:09
